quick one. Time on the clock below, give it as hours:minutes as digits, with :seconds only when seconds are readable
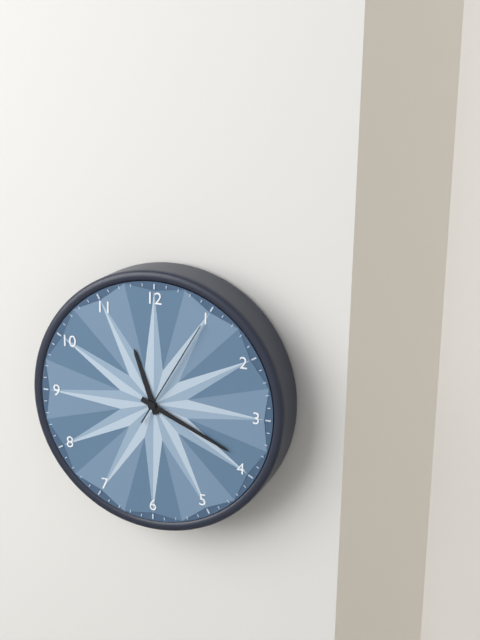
11:19:05
